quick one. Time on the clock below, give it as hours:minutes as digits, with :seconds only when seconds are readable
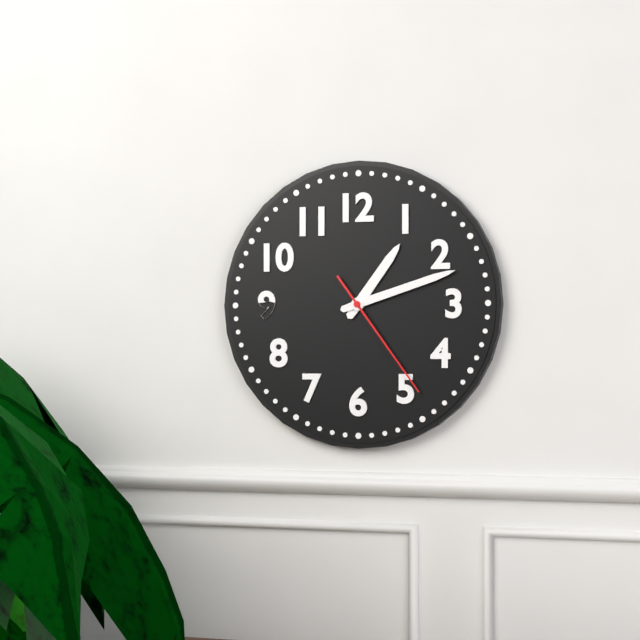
1:12:24
